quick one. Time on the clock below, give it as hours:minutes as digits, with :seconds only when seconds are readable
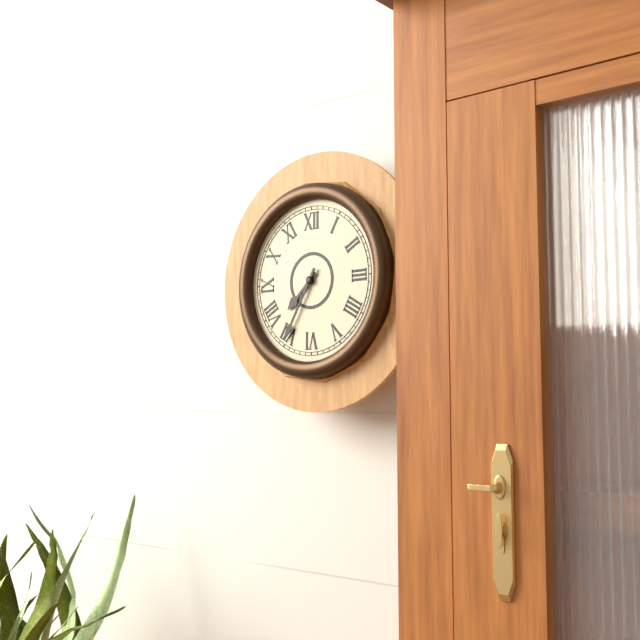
7:35
